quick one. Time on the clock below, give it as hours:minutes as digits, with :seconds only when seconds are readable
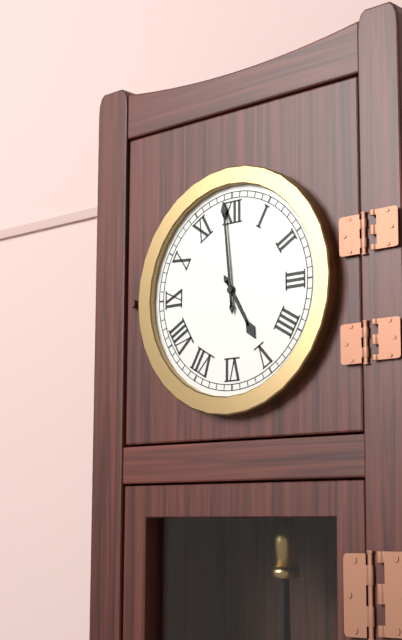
4:59
